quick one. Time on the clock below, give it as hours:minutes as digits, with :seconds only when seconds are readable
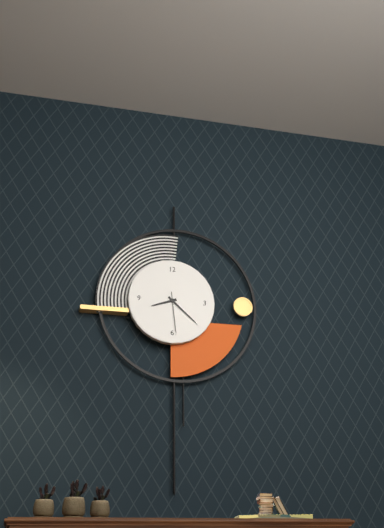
8:22
